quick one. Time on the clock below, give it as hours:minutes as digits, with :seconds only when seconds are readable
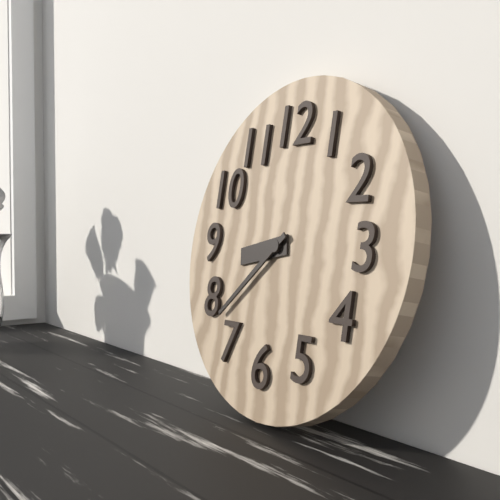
8:38
